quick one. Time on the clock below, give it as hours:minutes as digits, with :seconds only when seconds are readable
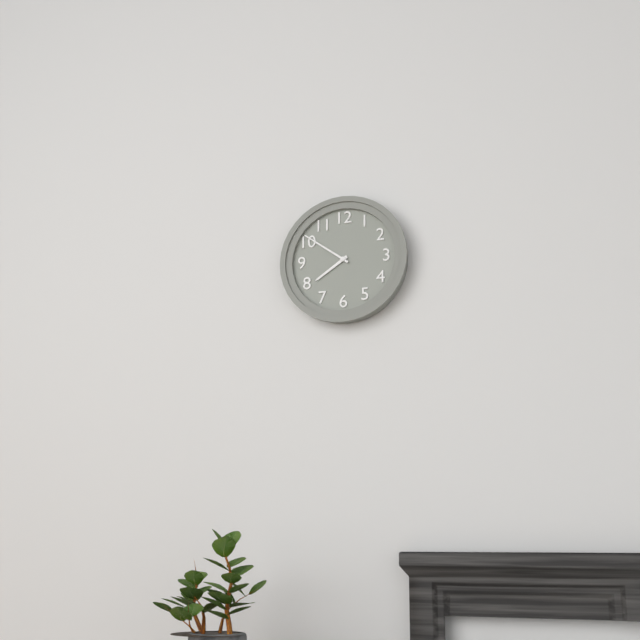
7:51
